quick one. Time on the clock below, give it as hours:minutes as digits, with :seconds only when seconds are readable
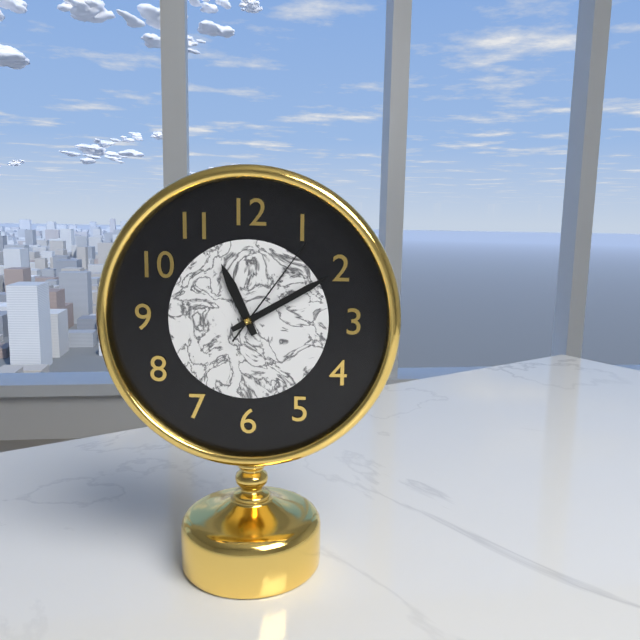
11:10:06
